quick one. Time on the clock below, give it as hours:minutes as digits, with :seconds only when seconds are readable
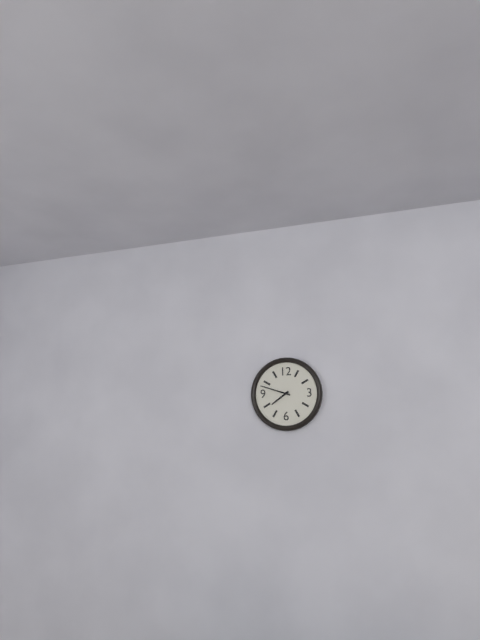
7:48
